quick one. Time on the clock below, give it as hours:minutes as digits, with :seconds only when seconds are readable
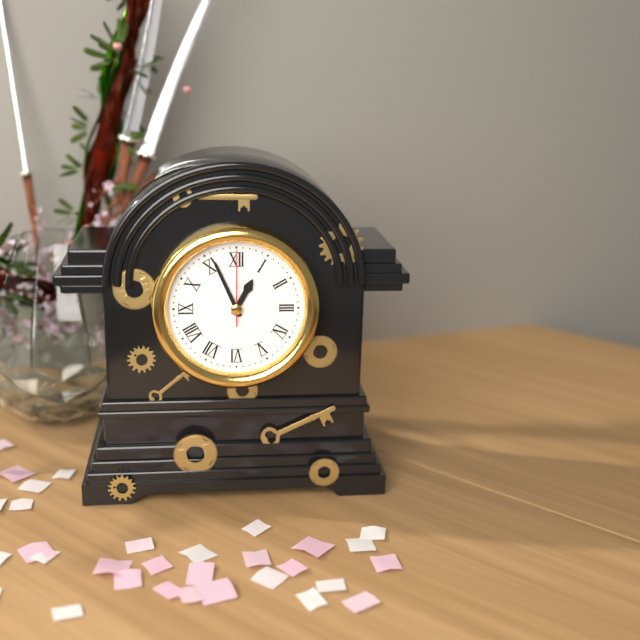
12:56:00
